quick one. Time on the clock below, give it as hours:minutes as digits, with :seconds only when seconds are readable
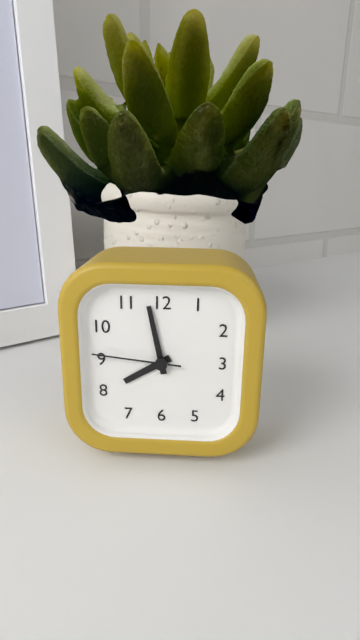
7:58:46
